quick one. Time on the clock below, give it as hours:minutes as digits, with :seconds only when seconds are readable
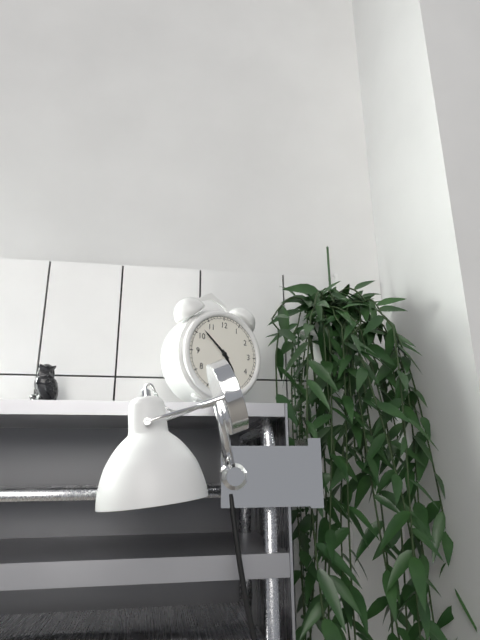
4:52
